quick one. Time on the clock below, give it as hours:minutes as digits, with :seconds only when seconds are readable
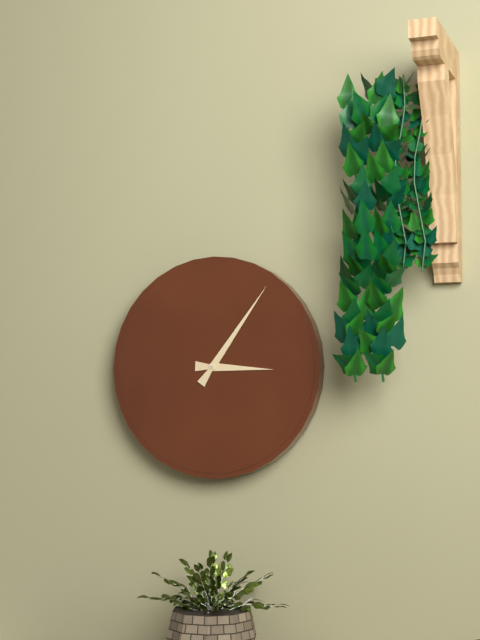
3:06
